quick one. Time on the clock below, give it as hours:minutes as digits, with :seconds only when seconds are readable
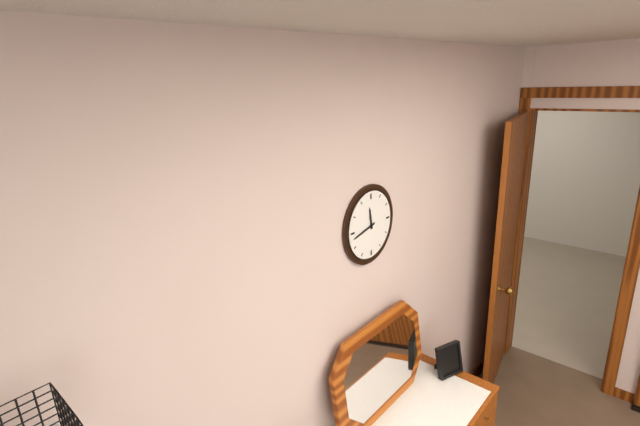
11:43
